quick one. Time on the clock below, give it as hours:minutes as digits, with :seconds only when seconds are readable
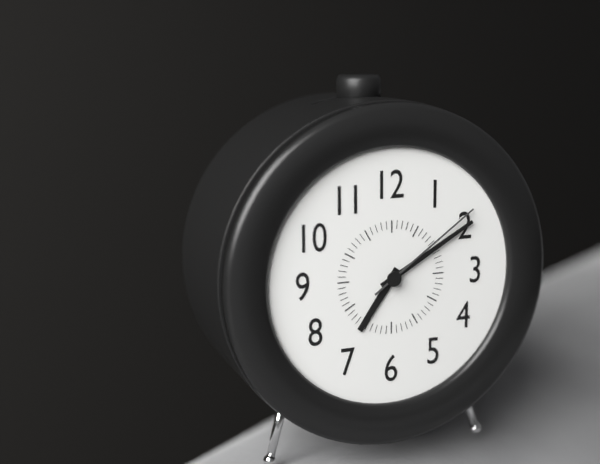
7:10:09
